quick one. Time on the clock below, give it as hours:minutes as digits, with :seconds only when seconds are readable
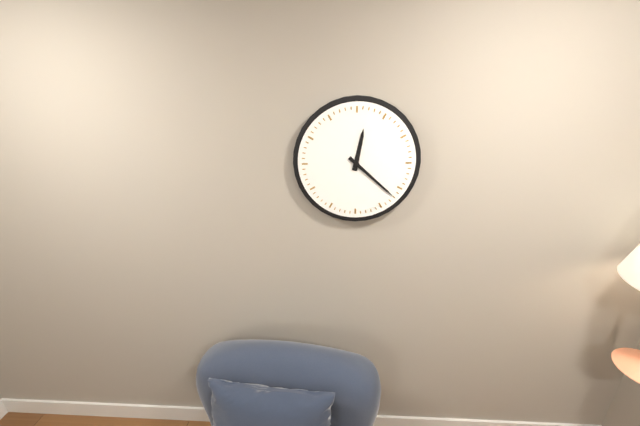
12:22
